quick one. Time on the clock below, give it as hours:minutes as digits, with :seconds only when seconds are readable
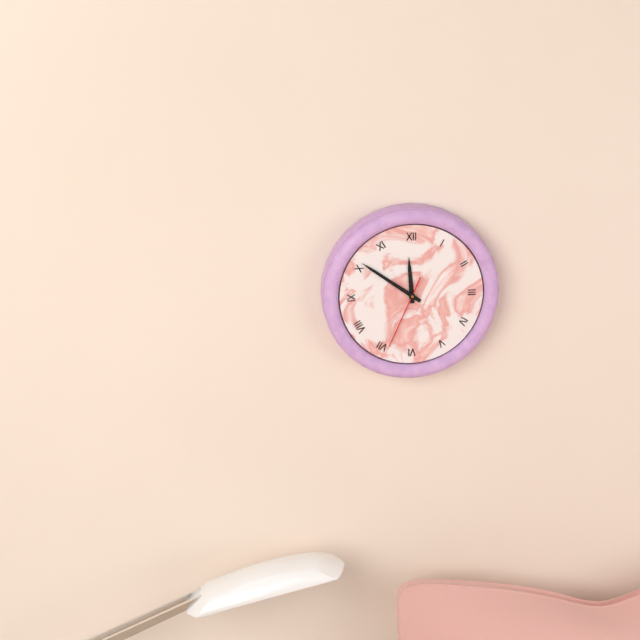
11:51:34
